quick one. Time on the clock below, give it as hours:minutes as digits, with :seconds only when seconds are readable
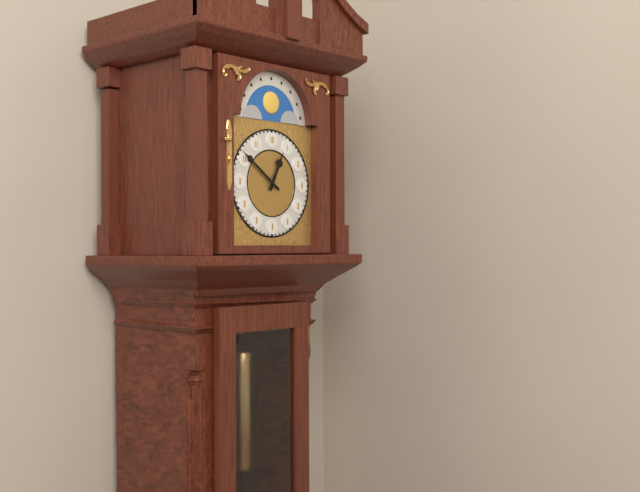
12:51
